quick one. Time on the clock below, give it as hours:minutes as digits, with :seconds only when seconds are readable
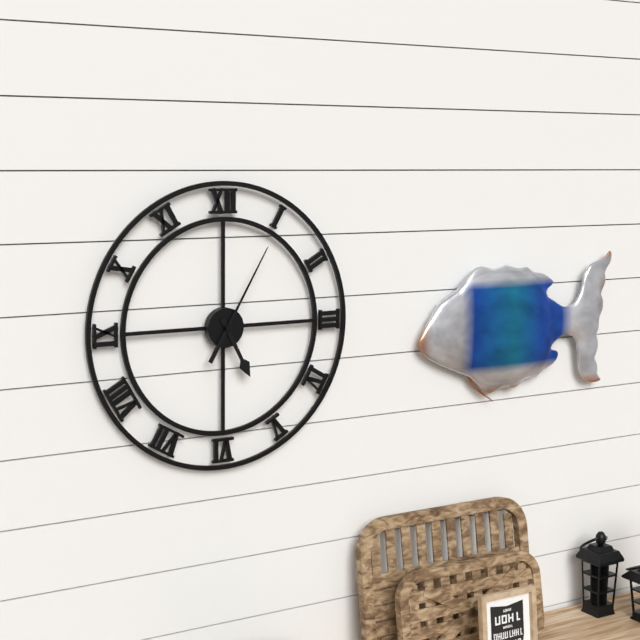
5:05
